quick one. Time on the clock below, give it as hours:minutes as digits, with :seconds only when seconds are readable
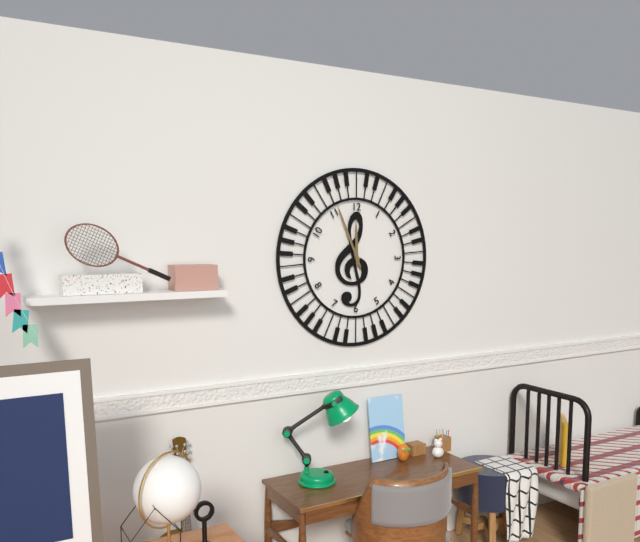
11:56
